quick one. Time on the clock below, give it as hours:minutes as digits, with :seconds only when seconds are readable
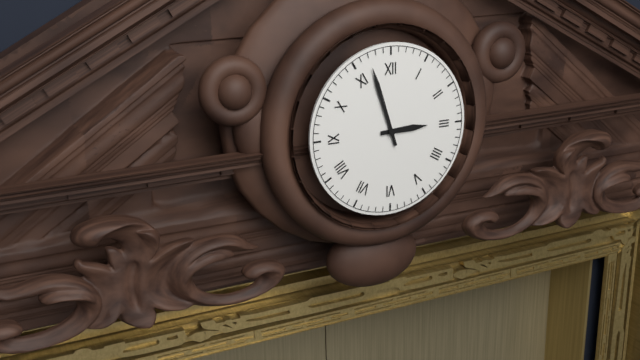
2:57
